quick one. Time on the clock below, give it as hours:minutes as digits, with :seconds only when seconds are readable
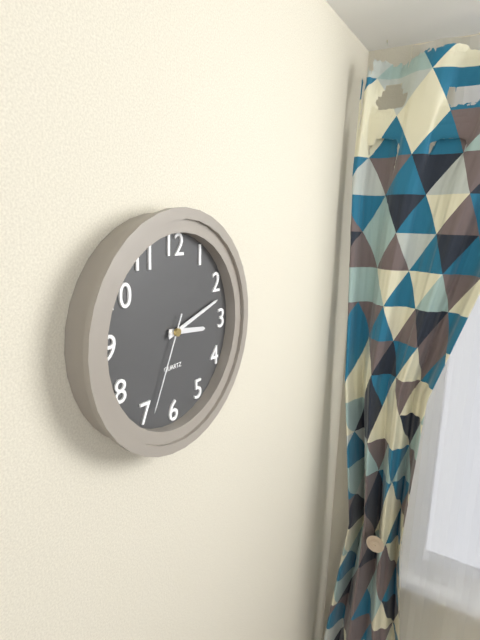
3:12:34
